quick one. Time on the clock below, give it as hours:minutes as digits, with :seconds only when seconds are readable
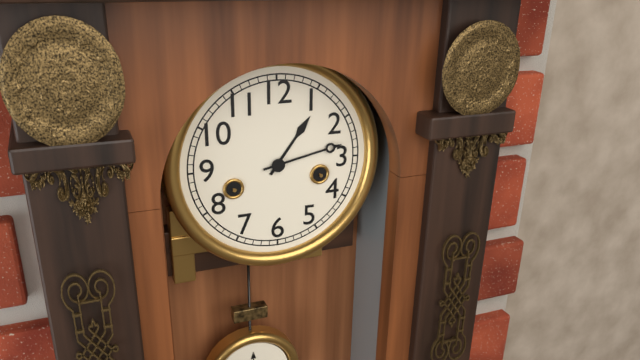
1:13
